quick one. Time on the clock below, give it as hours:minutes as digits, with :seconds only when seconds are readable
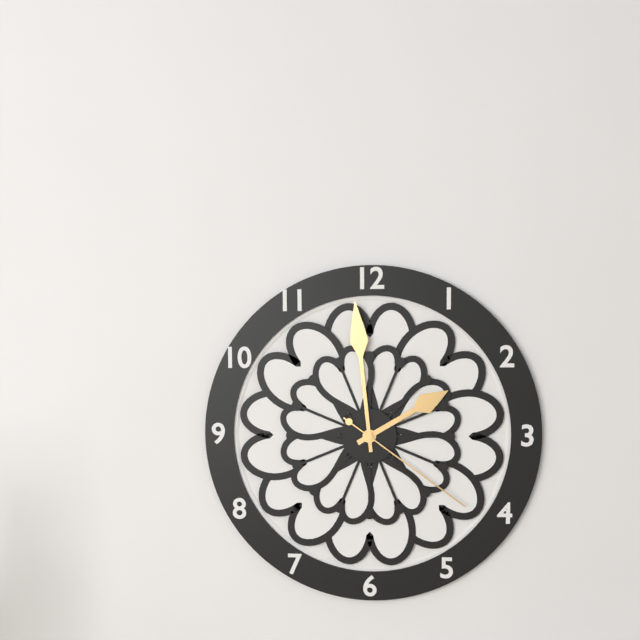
1:59:21
